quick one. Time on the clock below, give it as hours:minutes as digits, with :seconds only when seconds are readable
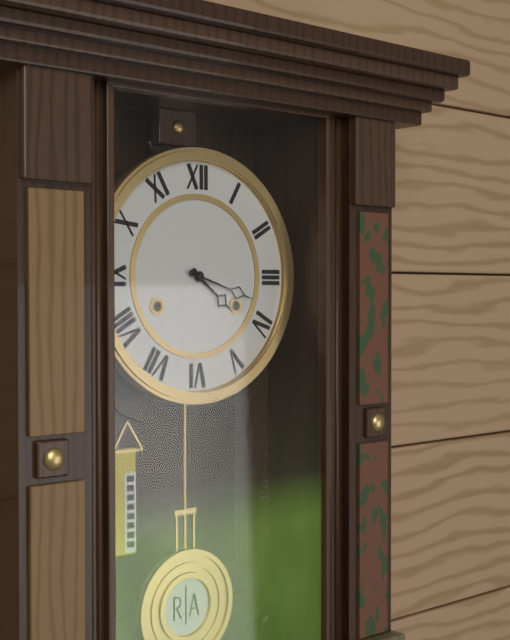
4:18
